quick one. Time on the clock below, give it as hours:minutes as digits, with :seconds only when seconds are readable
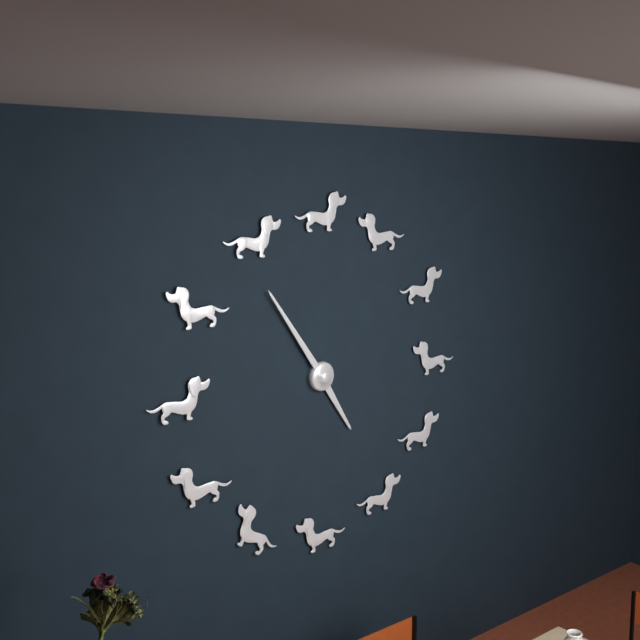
4:54
